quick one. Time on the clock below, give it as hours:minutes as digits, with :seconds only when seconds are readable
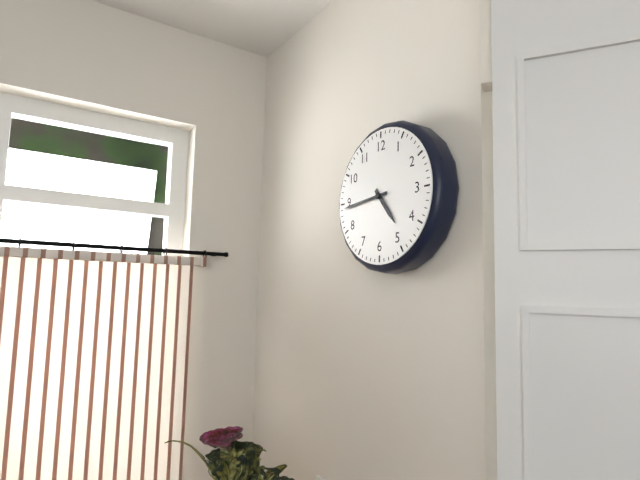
4:44
